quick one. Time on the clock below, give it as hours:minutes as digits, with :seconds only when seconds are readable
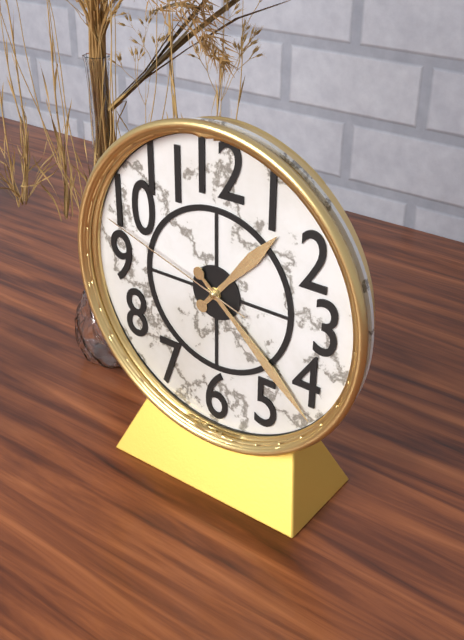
1:22:48
